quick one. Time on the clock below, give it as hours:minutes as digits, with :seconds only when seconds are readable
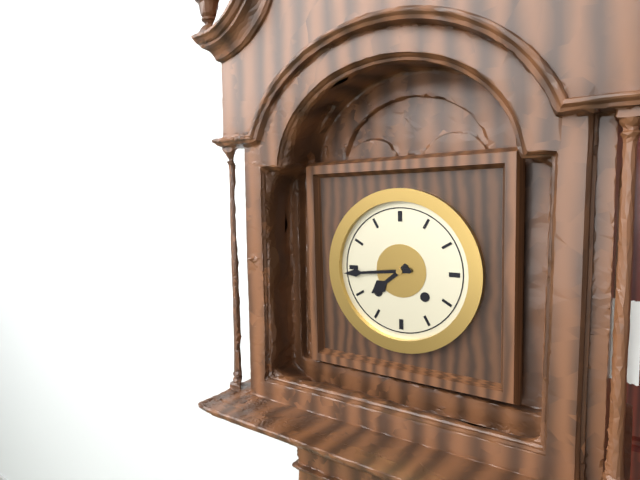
7:44
